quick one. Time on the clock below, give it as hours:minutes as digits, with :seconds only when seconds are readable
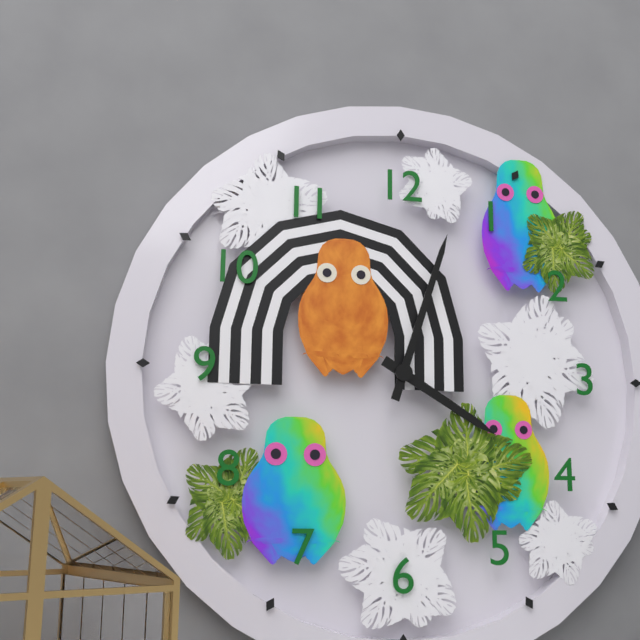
4:03
